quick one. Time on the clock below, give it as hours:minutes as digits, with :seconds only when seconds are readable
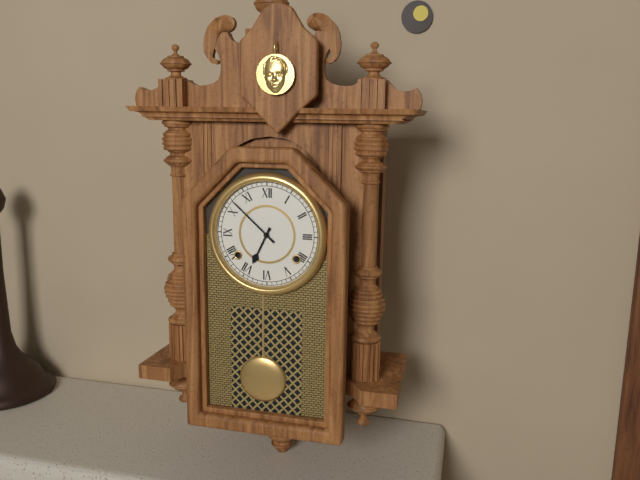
6:52
